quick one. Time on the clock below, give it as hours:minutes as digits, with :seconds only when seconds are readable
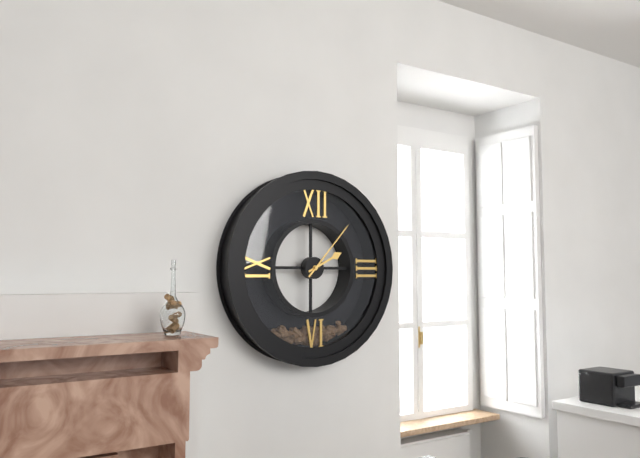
2:07
